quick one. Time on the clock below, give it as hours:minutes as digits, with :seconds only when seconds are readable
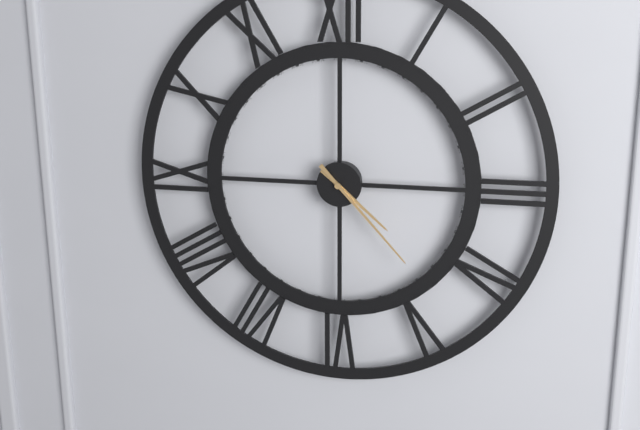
4:23
